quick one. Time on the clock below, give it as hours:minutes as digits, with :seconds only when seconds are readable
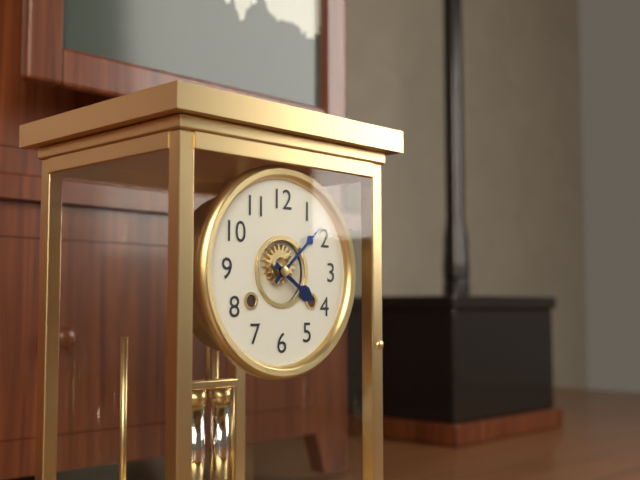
4:08
